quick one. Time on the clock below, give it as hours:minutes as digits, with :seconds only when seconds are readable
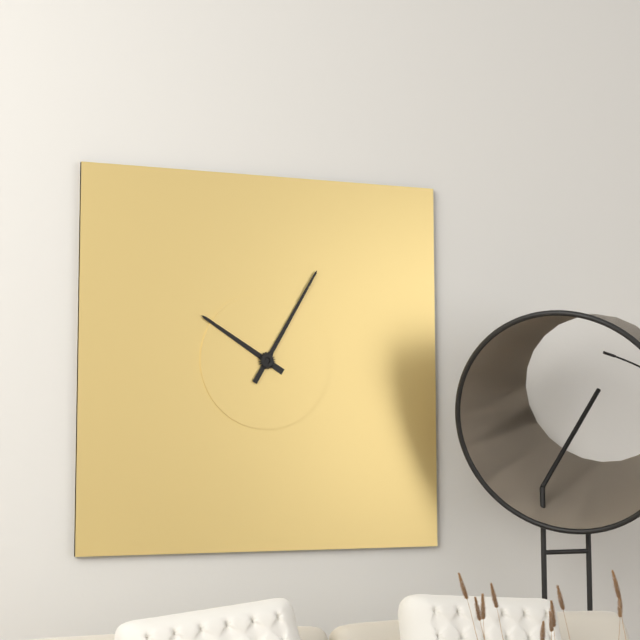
10:05
